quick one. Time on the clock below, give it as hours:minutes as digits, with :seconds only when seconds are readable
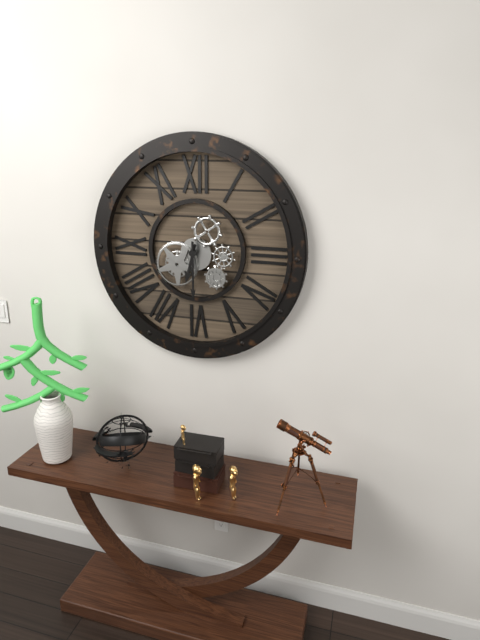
6:30
